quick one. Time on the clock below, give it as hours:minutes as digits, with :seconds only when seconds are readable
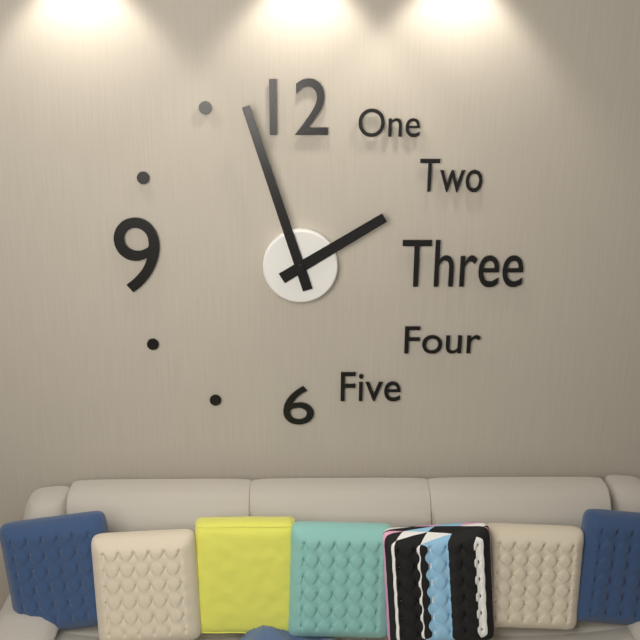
1:57
